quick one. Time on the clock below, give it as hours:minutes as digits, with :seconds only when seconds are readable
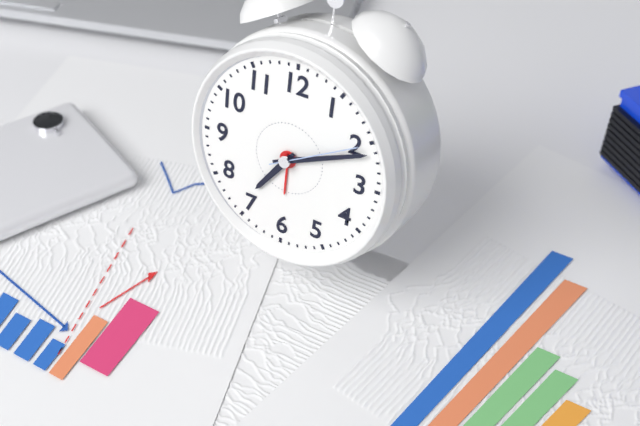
7:11:10
